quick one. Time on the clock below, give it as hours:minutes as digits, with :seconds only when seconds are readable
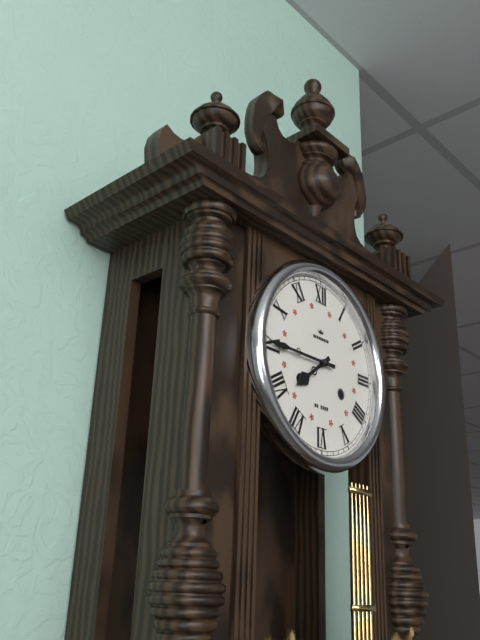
7:45
